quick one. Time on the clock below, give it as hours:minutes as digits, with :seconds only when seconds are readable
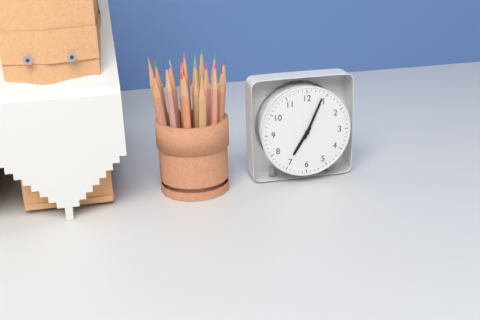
7:04
